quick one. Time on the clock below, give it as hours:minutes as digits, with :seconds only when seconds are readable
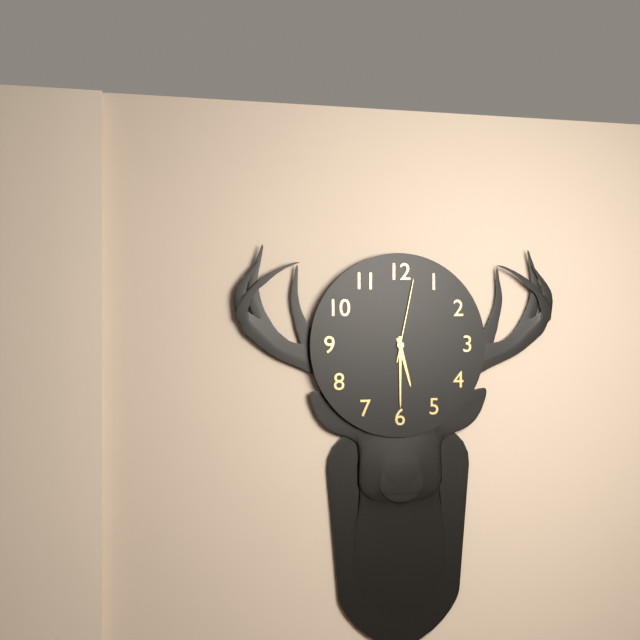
5:30:02
